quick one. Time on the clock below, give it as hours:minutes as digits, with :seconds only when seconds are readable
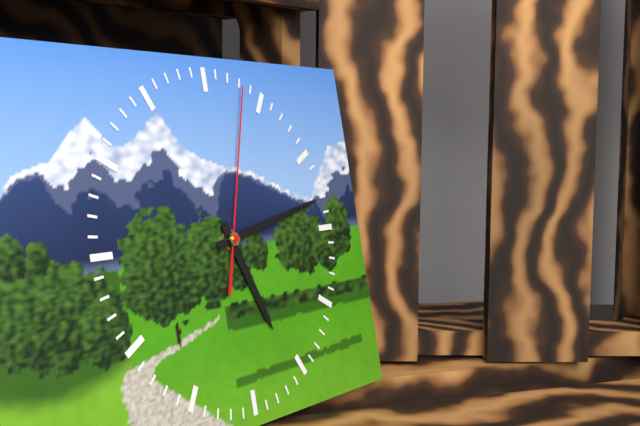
5:13:03
